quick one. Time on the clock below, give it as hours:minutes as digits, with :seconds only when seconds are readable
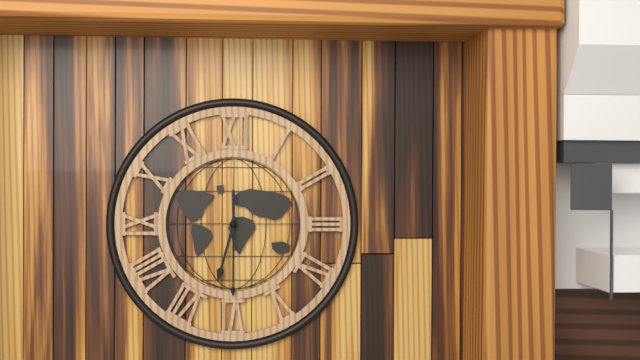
6:30
